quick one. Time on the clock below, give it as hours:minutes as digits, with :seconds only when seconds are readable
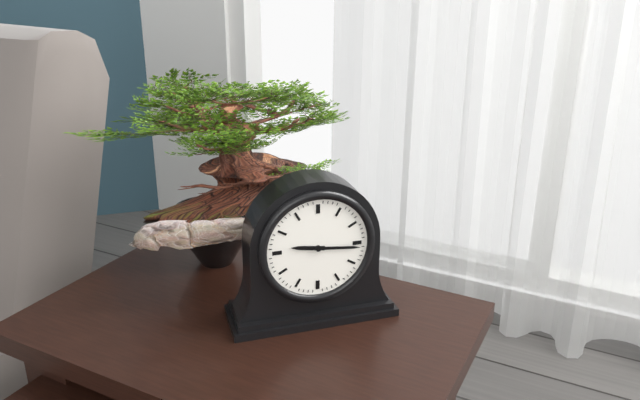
9:16
